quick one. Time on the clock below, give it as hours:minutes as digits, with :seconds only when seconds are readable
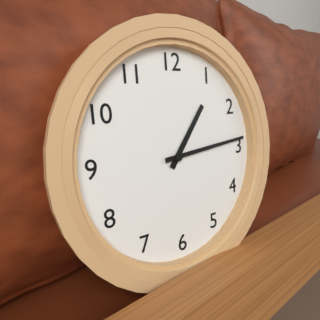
1:14
